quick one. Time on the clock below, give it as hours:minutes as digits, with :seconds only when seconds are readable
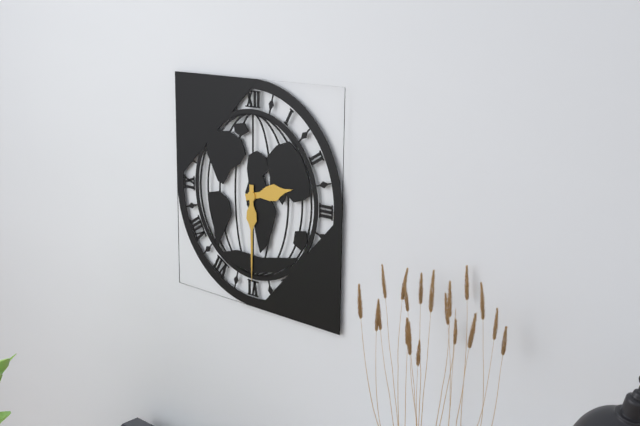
2:30
